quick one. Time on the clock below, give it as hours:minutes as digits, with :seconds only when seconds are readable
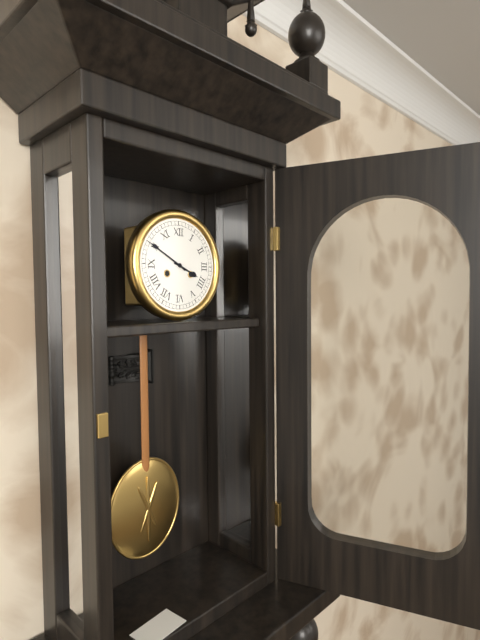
3:50
